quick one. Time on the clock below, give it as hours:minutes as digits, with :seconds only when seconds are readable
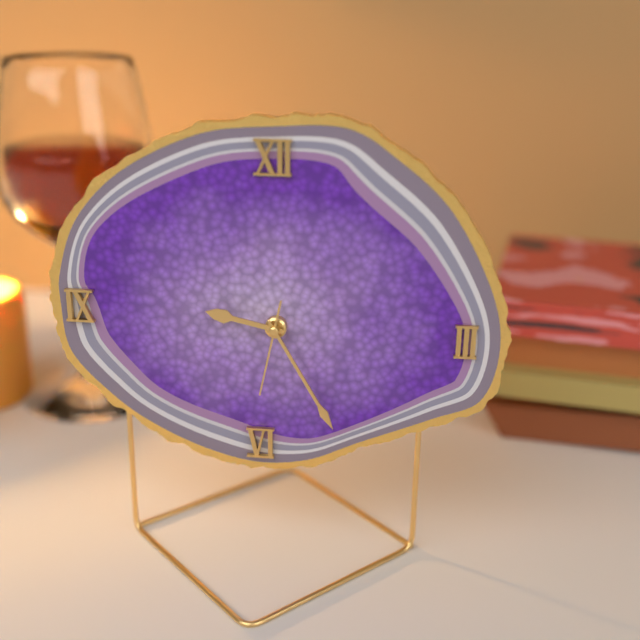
9:25:32
